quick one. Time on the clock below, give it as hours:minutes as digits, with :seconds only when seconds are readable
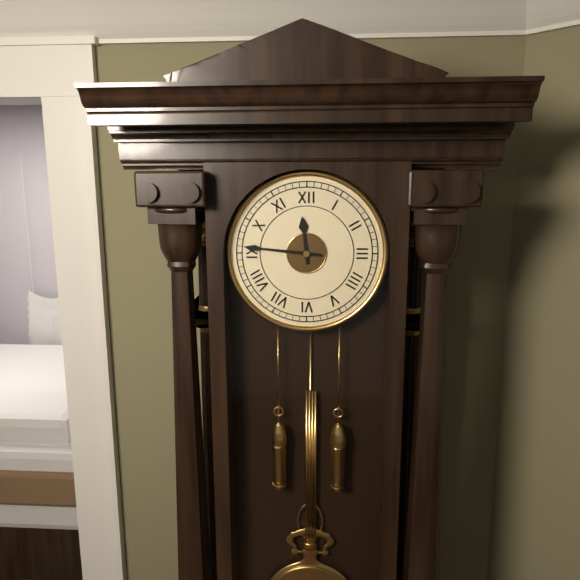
11:46
